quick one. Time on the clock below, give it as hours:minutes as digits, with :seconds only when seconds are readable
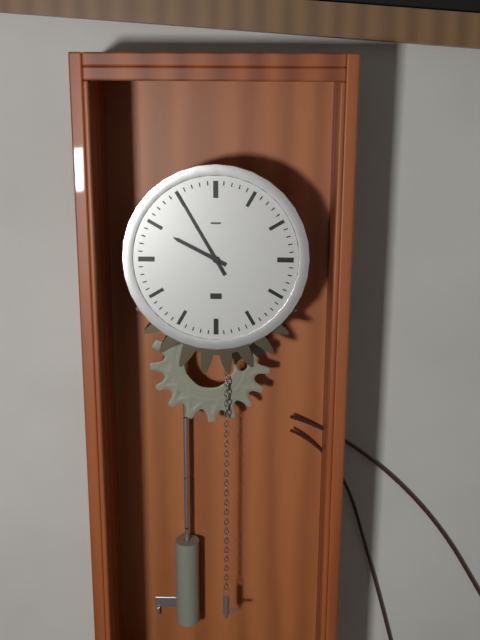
9:55
